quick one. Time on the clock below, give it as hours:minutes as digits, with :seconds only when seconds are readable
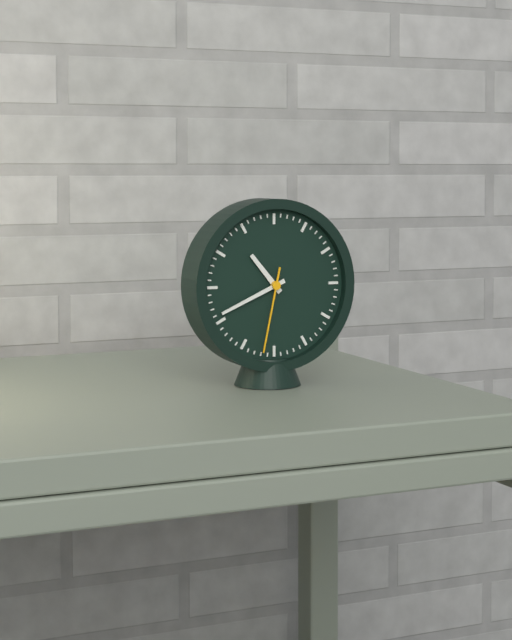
10:41:32
